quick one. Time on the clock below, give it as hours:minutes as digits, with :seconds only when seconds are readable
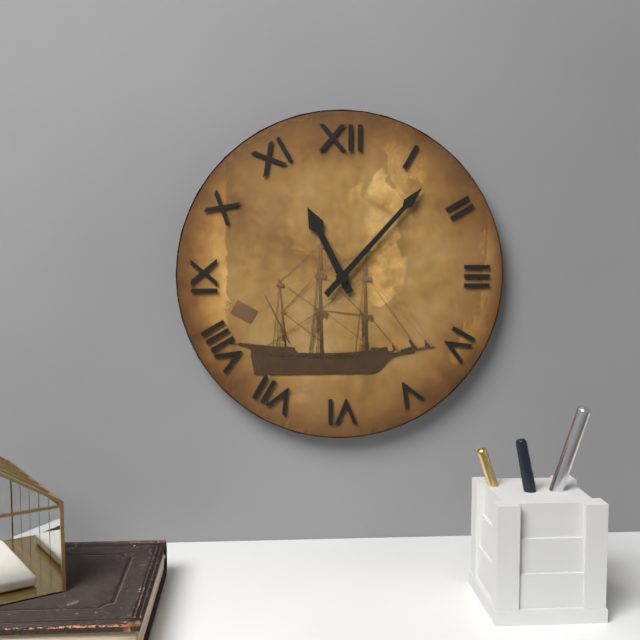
11:07
